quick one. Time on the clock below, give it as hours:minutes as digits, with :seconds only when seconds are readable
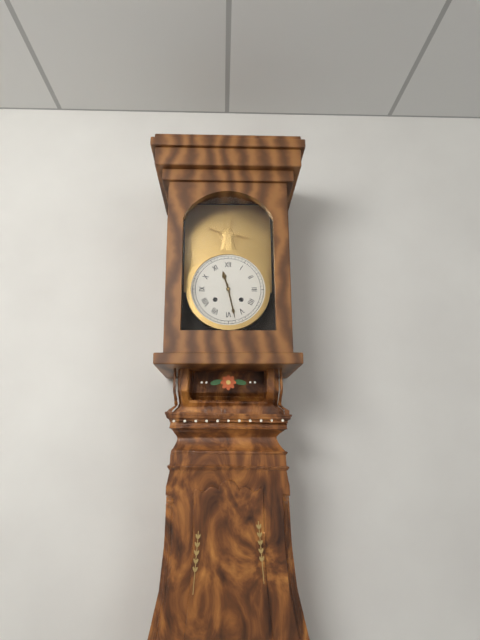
11:28
